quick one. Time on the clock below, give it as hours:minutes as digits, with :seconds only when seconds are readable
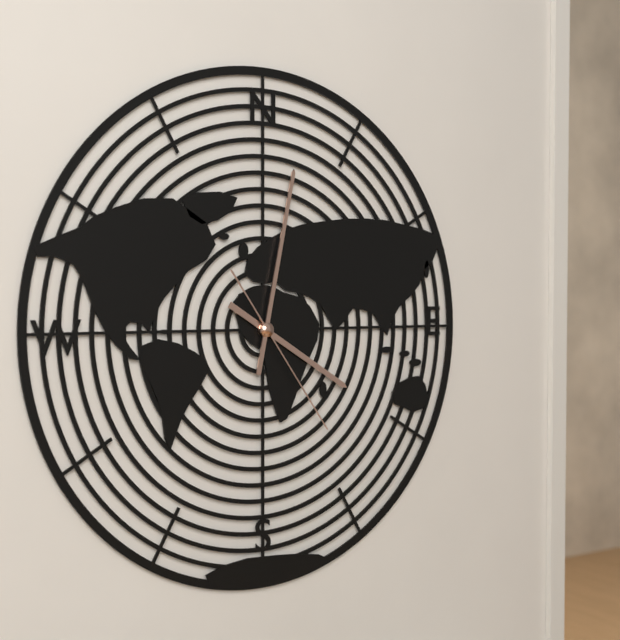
4:02:24
